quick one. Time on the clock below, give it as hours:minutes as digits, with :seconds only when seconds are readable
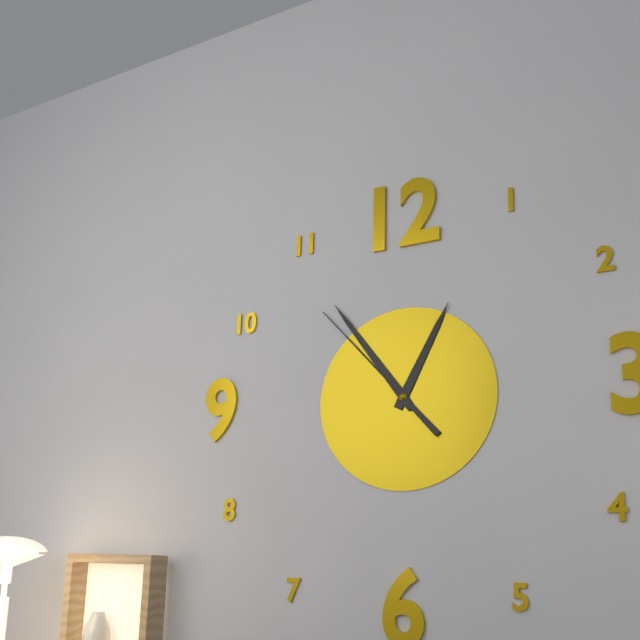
12:54:53
